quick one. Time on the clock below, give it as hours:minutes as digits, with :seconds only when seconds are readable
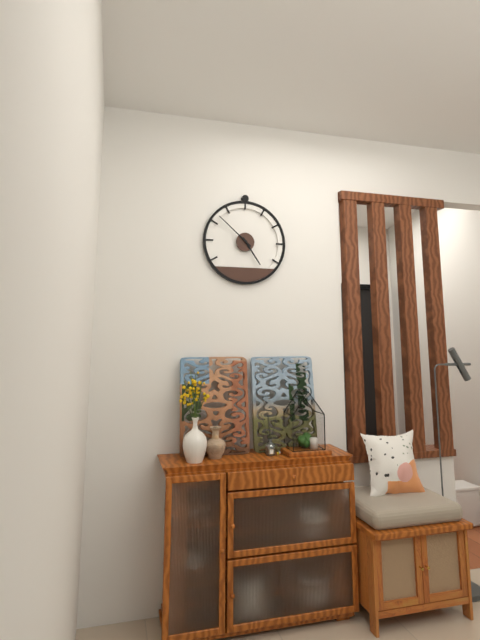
4:52
